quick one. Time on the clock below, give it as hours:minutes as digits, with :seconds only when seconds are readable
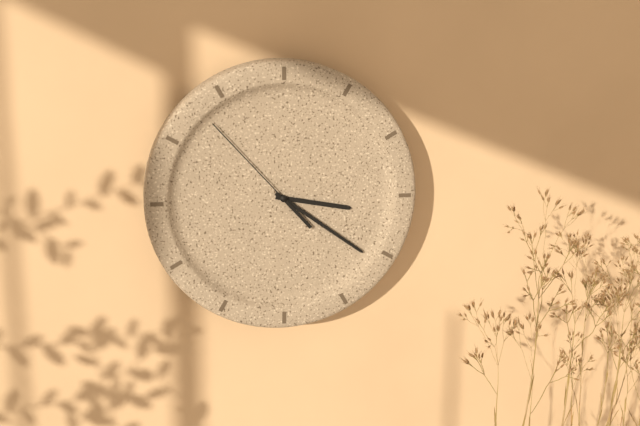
3:21:53
